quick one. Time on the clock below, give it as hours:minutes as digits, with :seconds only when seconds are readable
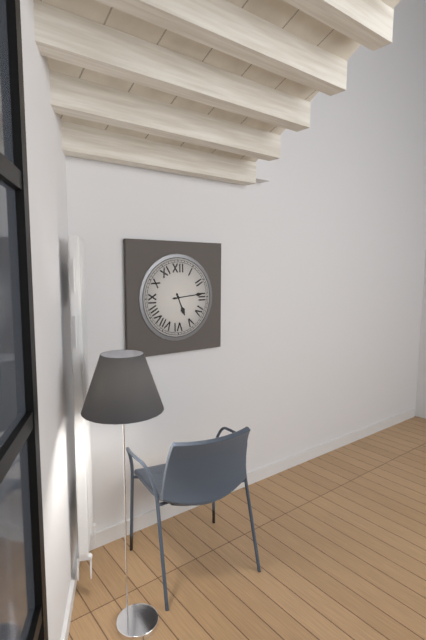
5:14
